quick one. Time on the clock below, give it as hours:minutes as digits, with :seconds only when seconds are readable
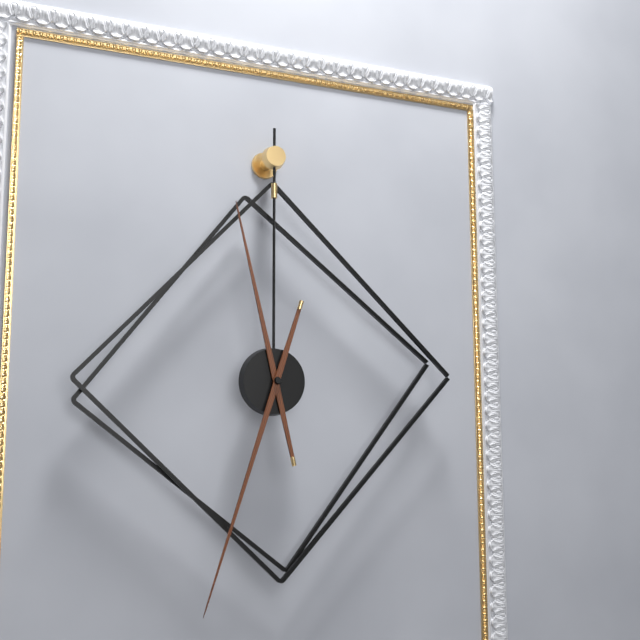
11:33
